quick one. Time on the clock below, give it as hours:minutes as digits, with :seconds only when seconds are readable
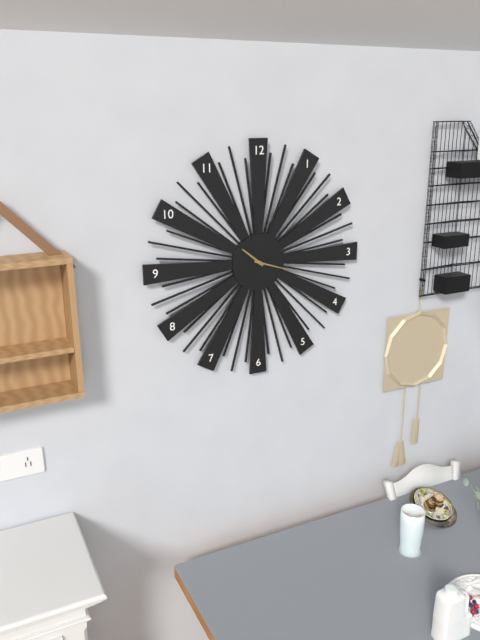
10:18
